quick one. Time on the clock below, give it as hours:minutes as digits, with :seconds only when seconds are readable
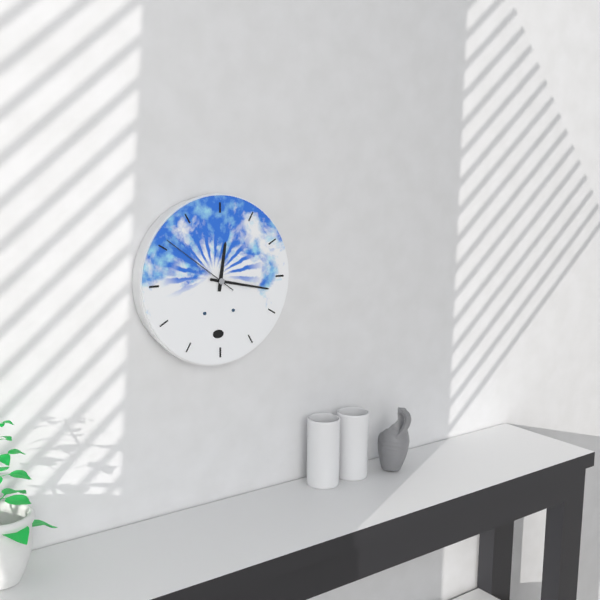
12:17:51
